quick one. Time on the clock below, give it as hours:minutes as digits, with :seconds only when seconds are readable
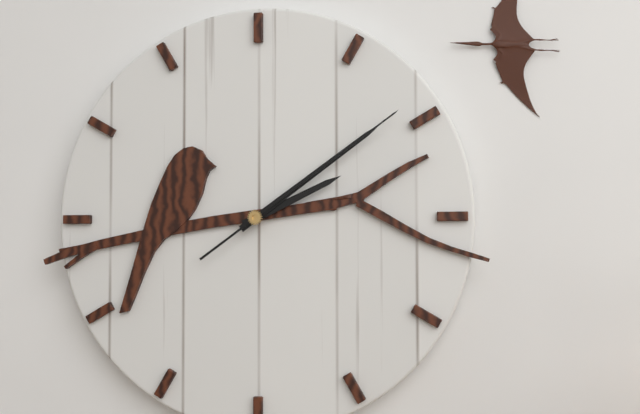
2:09:09
